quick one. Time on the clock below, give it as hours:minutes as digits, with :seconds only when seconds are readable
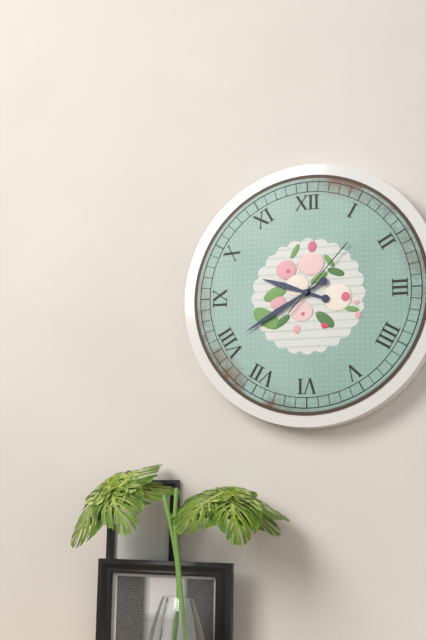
9:40:07
